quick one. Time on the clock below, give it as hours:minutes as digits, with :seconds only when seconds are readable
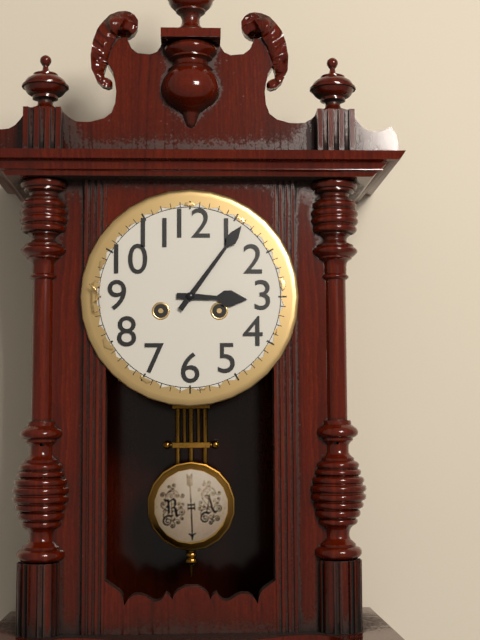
3:06
